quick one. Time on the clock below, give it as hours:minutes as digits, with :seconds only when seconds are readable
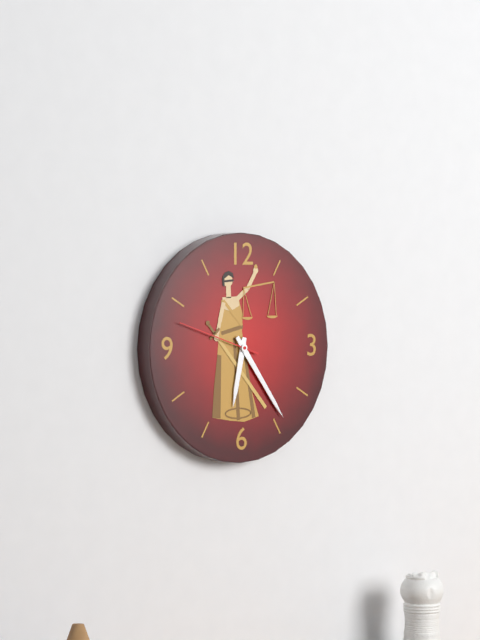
6:24:48
